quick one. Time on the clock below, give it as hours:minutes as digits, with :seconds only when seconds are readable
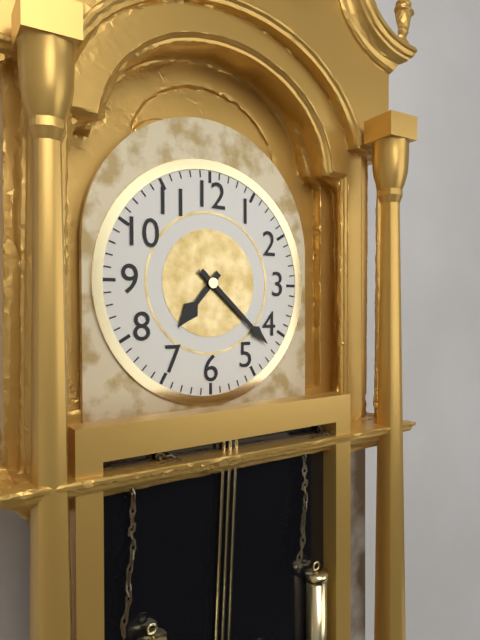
7:22
